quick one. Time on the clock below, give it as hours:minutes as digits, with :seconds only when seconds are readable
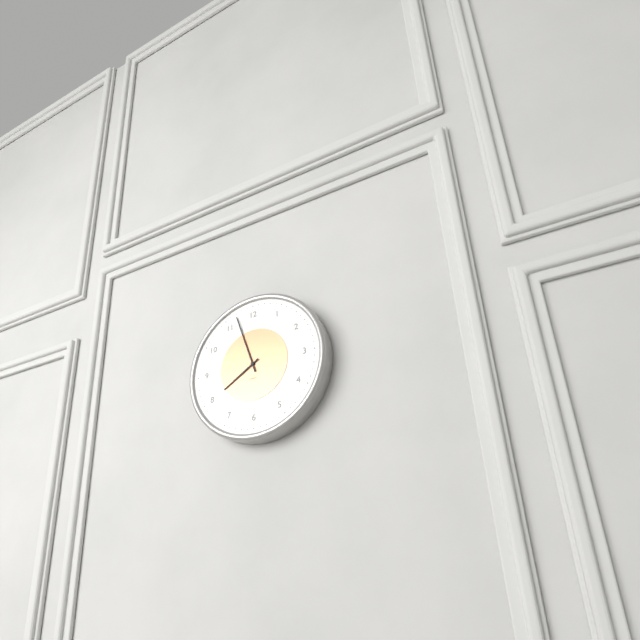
7:57
